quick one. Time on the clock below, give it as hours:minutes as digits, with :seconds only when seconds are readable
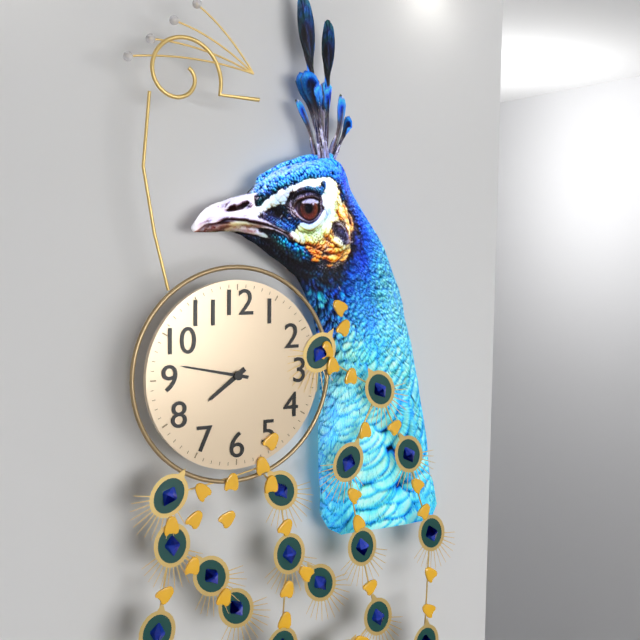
7:47
